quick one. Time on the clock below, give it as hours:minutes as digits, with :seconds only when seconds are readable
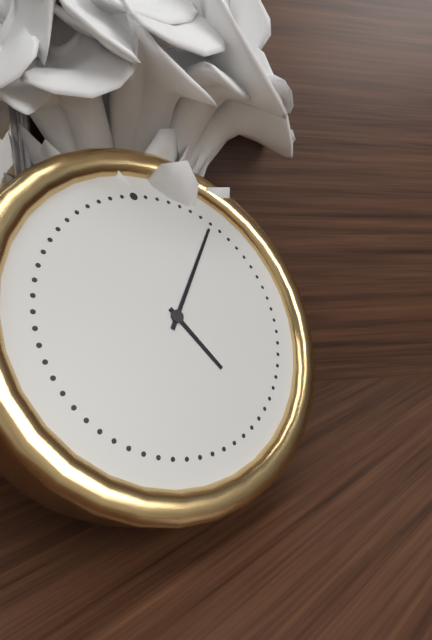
5:07
